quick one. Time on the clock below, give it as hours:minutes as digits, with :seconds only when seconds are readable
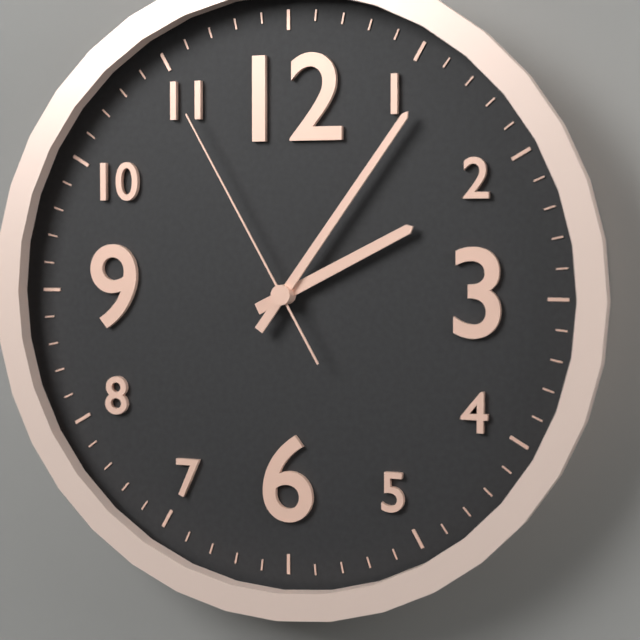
2:06:55
